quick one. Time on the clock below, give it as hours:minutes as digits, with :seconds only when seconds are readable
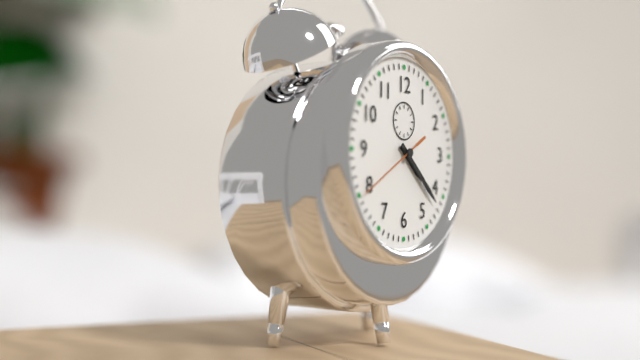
4:22:40
